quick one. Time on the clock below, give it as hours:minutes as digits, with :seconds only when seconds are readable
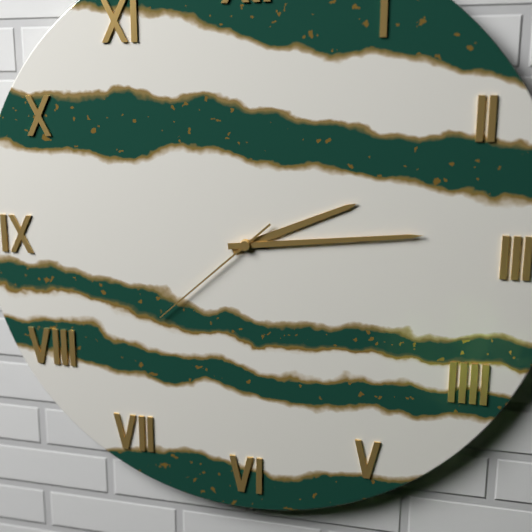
2:14:38
